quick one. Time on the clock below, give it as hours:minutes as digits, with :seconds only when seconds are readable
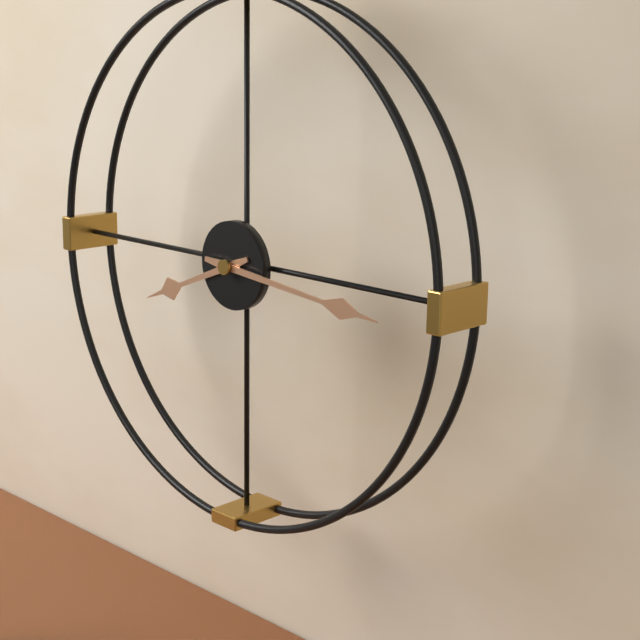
8:16
